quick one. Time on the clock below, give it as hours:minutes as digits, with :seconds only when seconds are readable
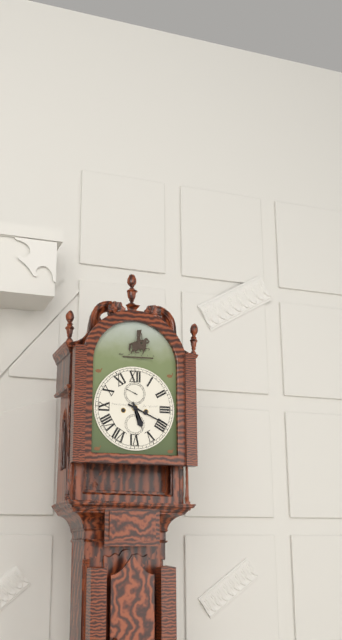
5:19
